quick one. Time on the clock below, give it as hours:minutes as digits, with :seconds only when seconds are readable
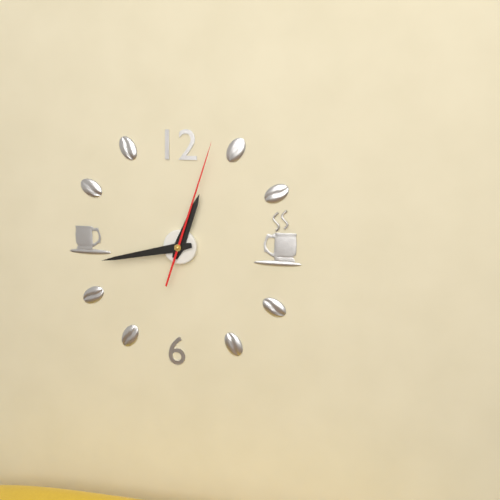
12:43:03
